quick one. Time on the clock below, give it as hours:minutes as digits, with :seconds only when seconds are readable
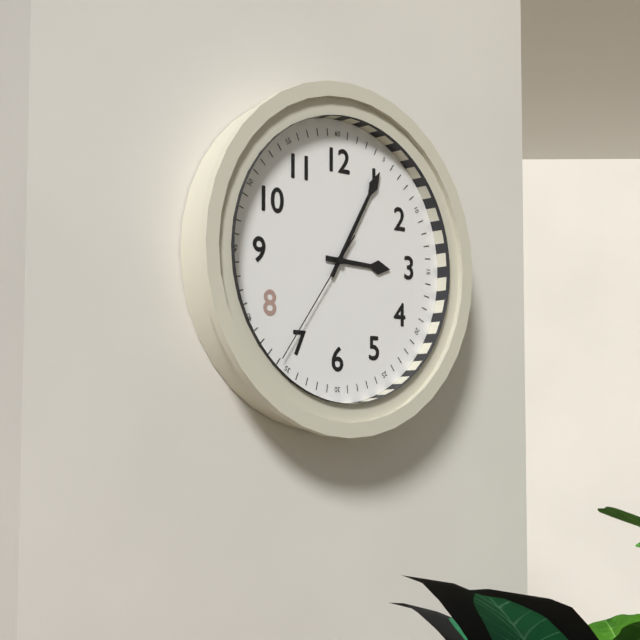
3:05:36
